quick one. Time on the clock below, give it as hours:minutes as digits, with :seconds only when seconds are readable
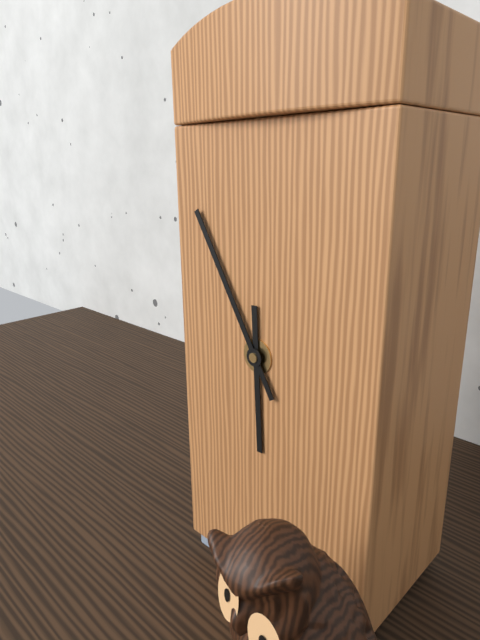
5:55
